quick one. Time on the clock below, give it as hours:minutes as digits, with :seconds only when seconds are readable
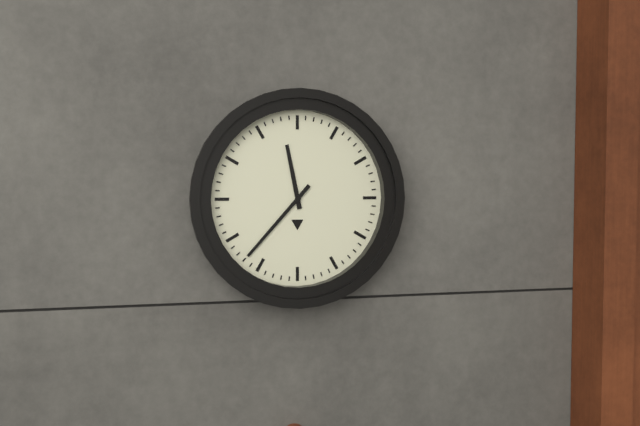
11:37
